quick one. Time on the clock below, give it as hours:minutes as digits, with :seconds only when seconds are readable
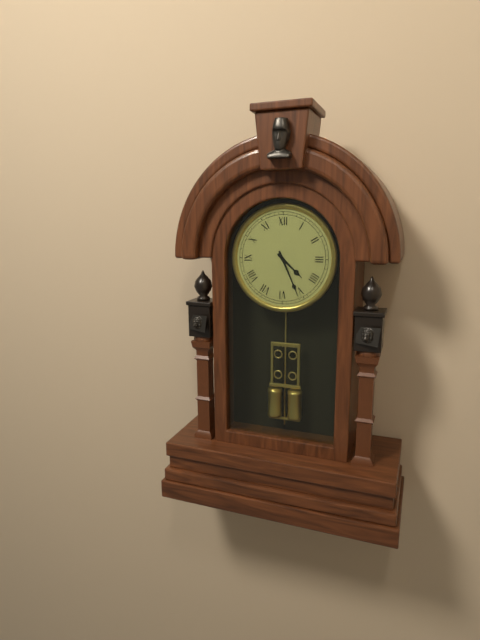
4:26
